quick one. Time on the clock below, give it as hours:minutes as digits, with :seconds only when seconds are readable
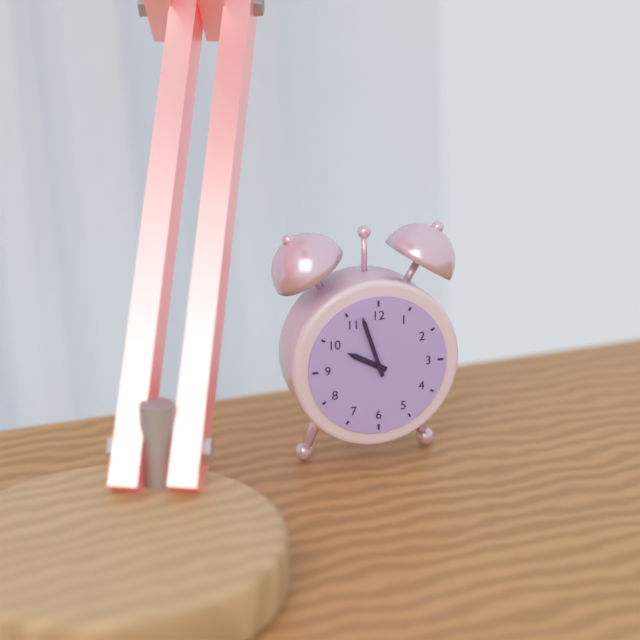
9:57
